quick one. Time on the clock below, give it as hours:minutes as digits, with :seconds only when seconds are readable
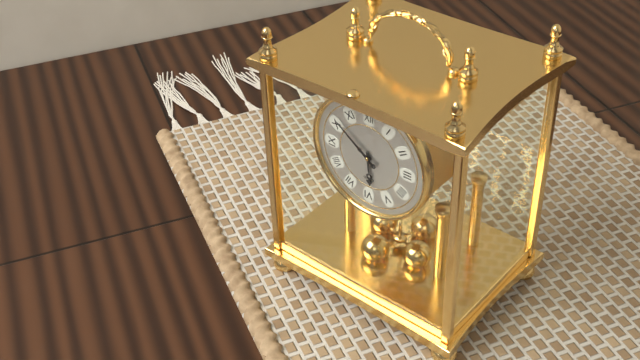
5:51
